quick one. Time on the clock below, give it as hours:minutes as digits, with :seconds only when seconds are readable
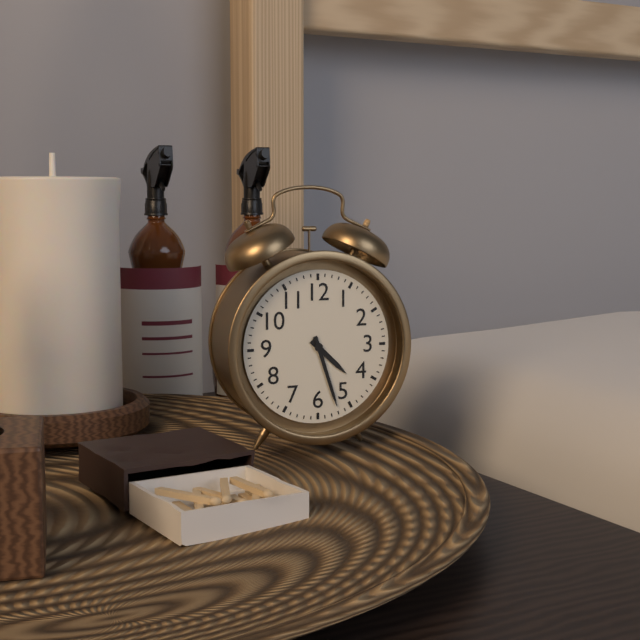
4:27
